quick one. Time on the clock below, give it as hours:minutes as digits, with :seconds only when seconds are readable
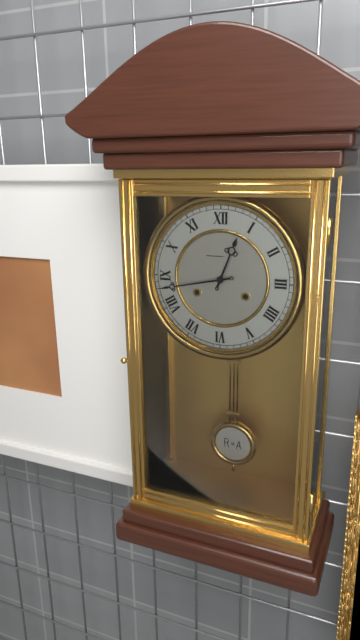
12:43
